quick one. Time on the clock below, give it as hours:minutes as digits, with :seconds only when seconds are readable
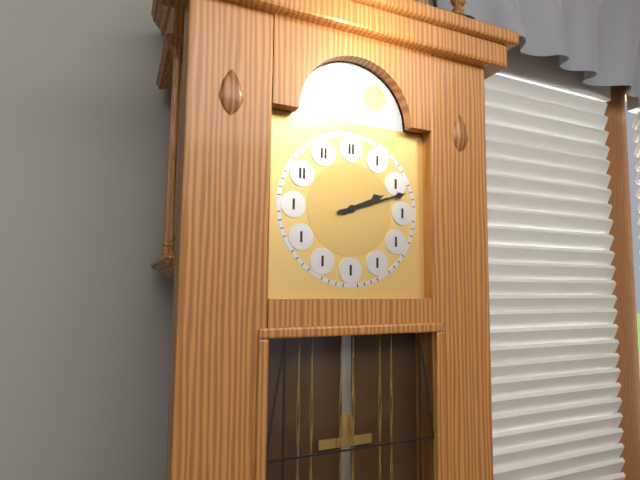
2:12
